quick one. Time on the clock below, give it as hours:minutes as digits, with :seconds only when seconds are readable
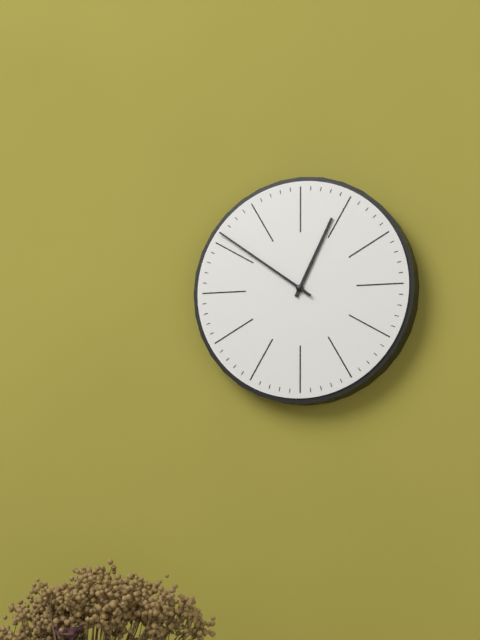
12:51
